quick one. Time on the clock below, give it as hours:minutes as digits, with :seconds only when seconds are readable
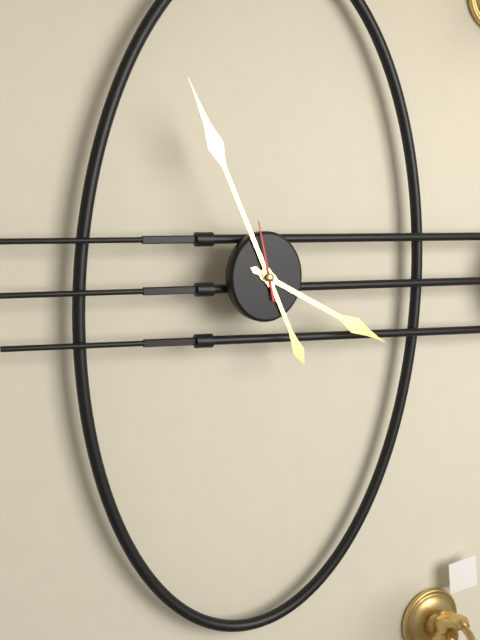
3:56:58
